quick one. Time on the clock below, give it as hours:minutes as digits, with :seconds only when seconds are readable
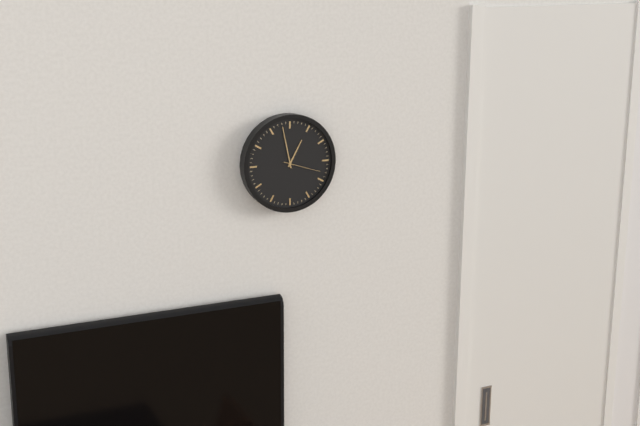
12:58
